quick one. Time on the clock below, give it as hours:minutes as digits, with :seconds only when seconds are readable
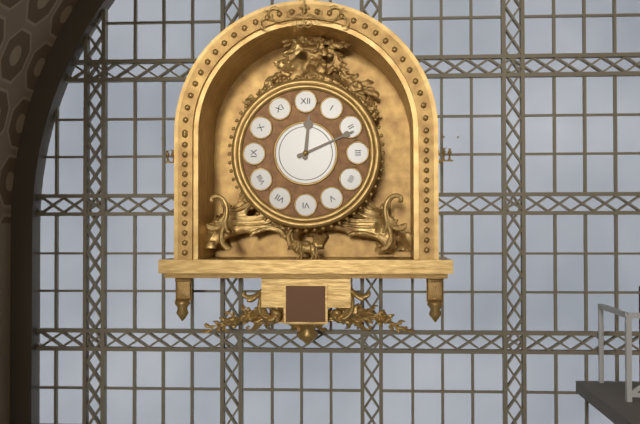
12:11
